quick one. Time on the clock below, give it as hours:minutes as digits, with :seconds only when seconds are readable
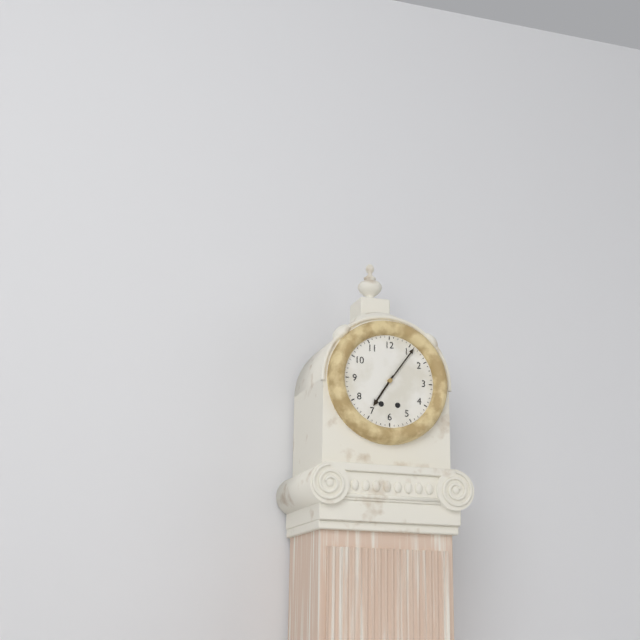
7:06
